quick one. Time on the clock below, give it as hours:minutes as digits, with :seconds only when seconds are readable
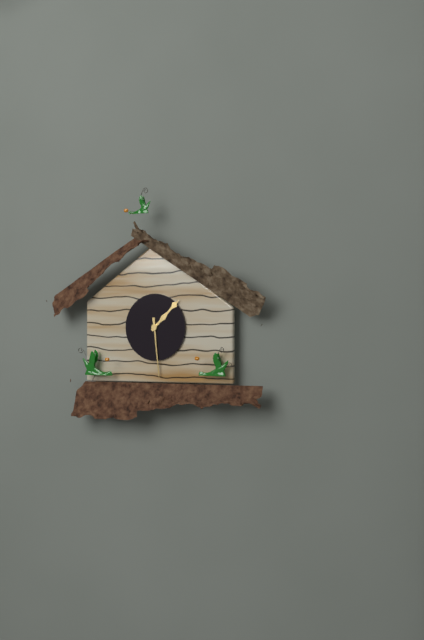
1:29
